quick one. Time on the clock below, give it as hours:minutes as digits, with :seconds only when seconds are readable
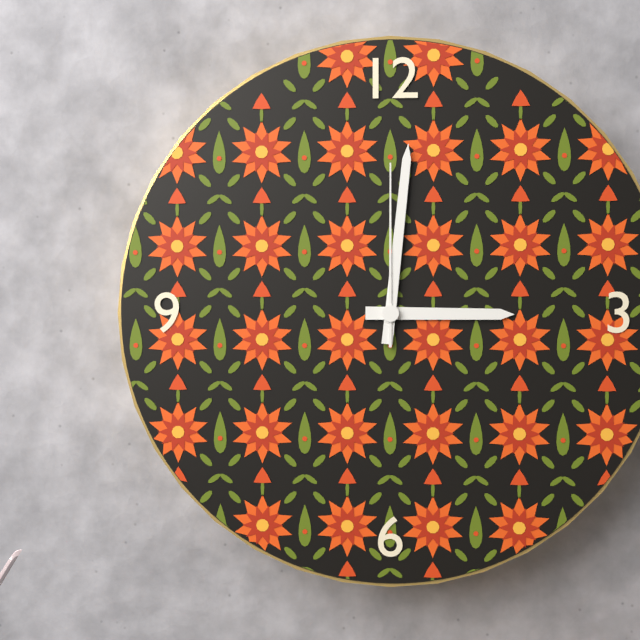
3:01:00
